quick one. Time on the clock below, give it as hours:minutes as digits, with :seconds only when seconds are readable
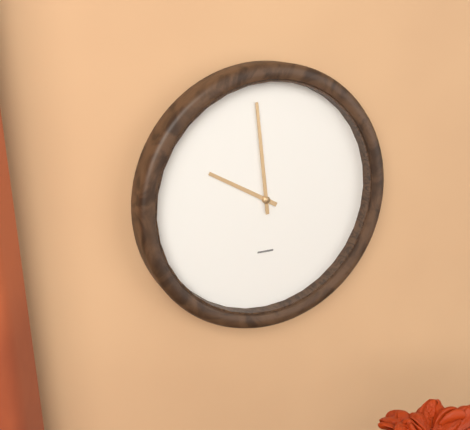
9:59
